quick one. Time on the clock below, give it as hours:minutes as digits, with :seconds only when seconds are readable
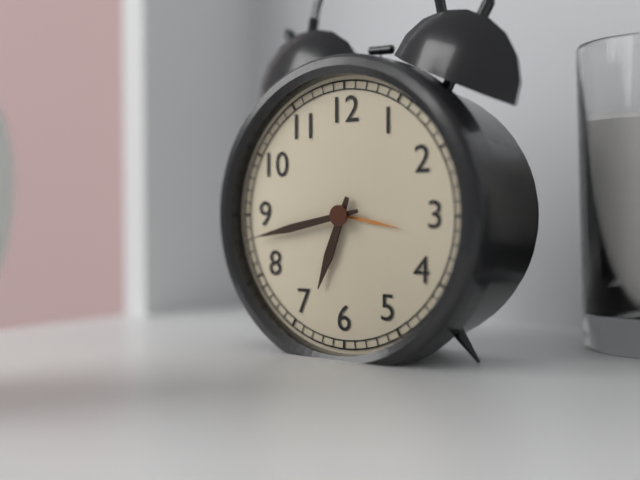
6:43
